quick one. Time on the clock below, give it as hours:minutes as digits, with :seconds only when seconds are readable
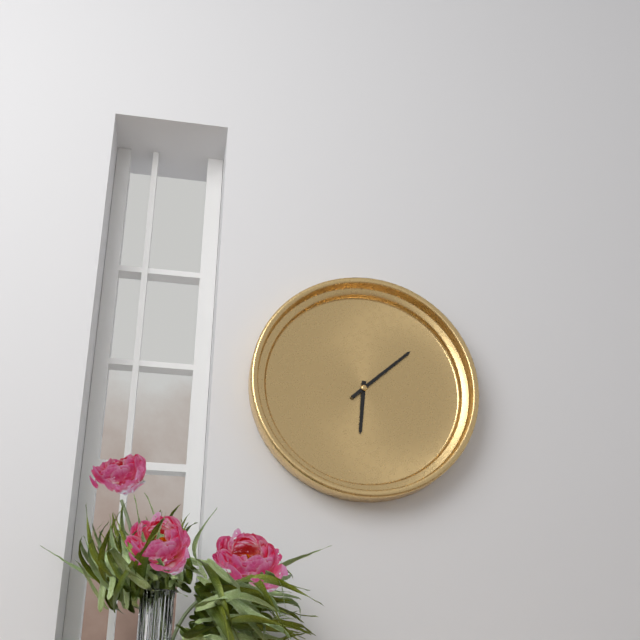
6:08
